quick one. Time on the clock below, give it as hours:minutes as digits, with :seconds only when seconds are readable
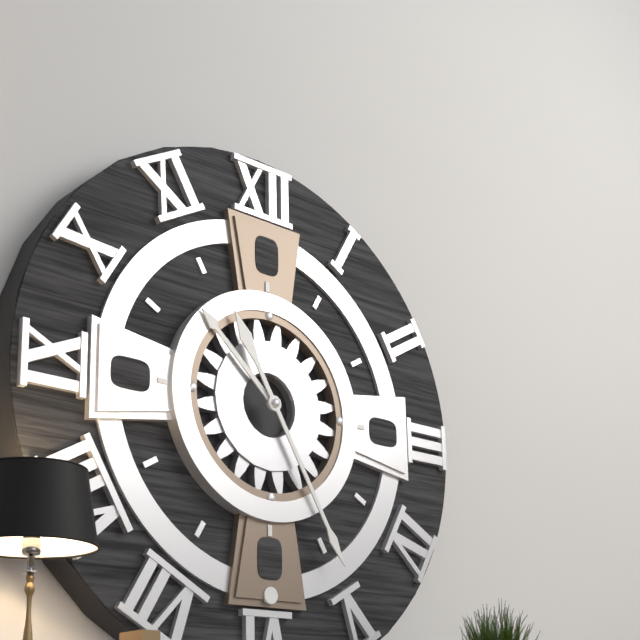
10:25
